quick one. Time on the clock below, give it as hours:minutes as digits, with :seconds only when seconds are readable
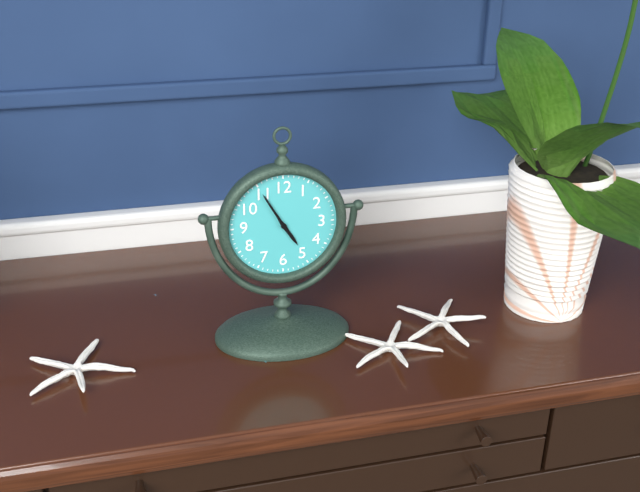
4:55
